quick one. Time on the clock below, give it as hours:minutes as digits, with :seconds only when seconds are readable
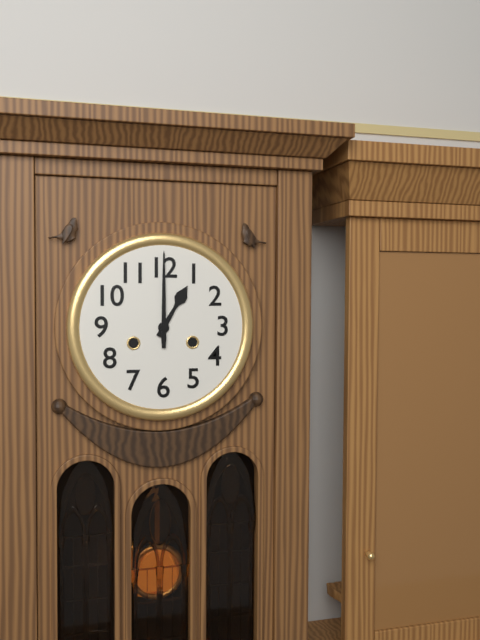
1:00
